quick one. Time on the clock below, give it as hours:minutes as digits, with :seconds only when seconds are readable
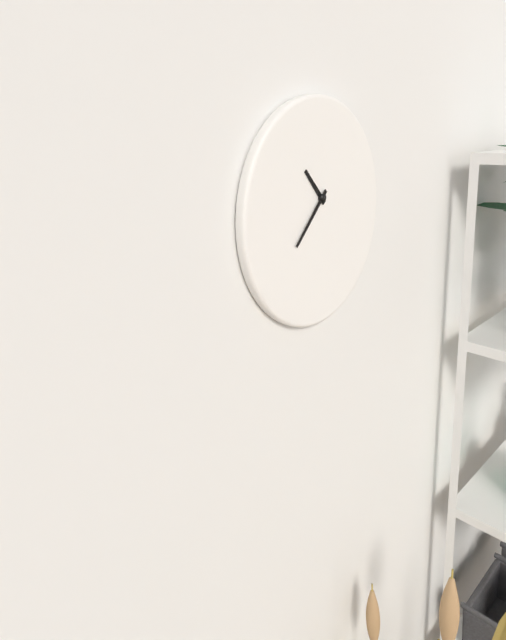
10:37
